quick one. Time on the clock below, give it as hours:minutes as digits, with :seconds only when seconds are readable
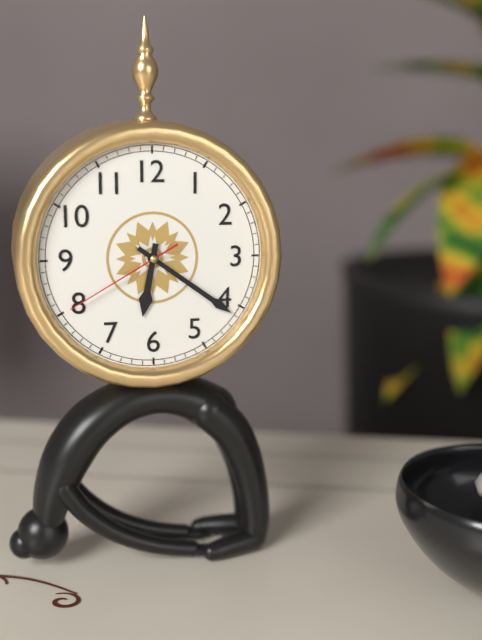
6:21:40
